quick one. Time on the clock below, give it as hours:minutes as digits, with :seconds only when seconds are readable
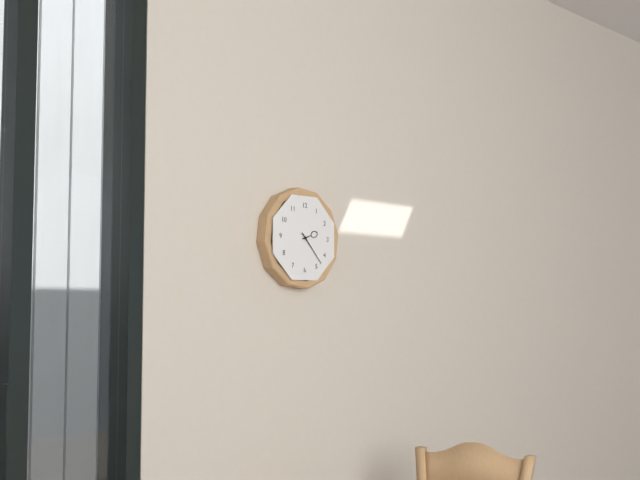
2:23
